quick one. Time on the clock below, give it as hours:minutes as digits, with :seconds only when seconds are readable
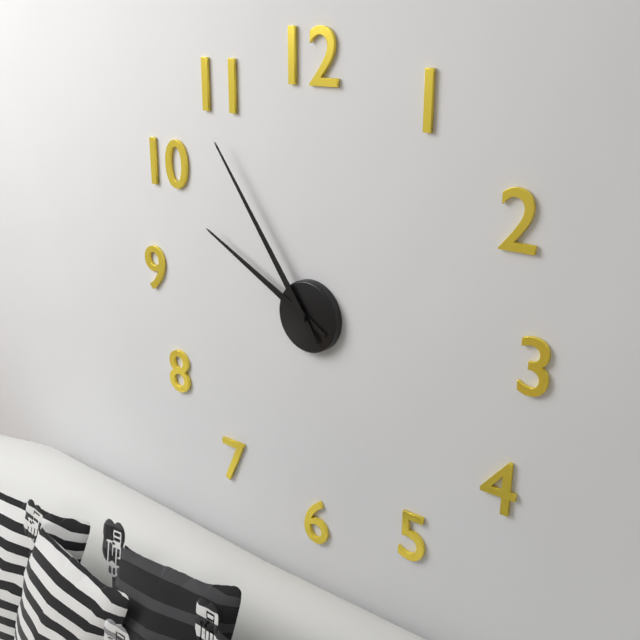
9:54
